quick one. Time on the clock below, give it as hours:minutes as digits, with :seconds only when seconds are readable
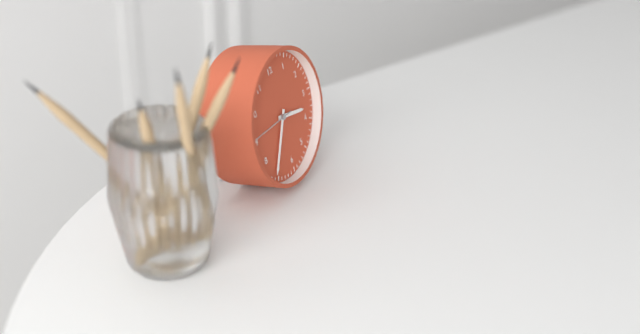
3:36
